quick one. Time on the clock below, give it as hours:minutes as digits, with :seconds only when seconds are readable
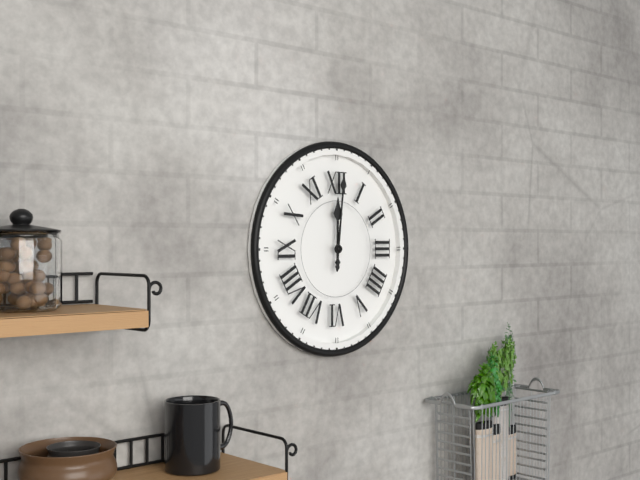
12:01
